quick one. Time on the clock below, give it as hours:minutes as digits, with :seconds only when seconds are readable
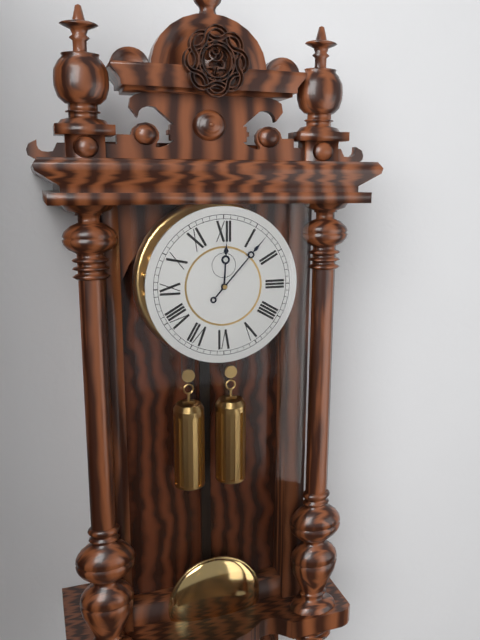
12:07
